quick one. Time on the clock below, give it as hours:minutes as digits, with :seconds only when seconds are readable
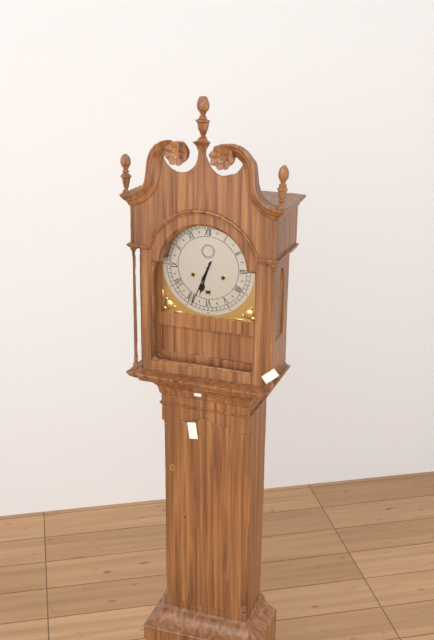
6:34
